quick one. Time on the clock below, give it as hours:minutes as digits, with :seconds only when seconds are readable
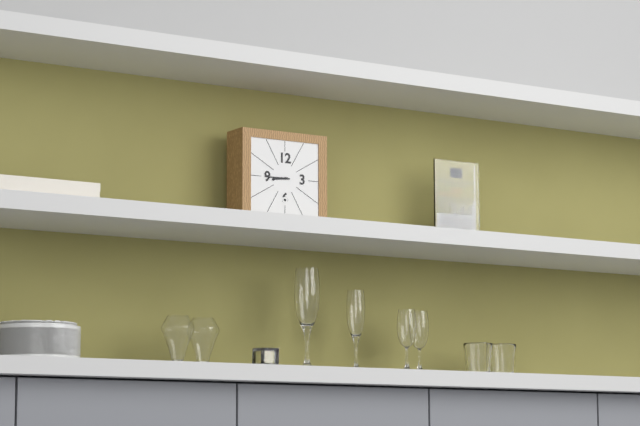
8:45
